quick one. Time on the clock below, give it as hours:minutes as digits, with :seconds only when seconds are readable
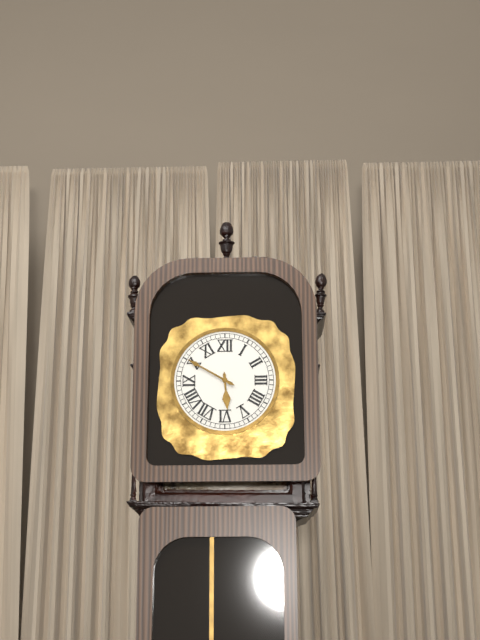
5:50
